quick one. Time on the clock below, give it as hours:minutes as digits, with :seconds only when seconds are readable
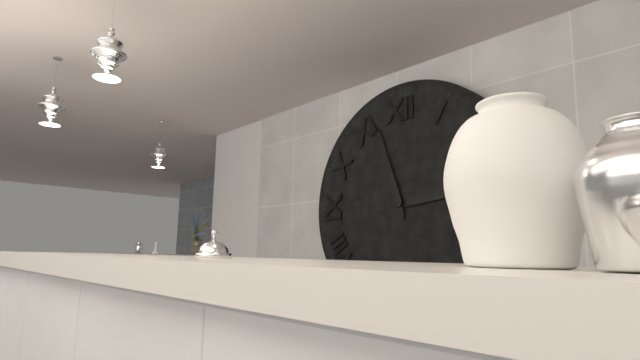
2:57
